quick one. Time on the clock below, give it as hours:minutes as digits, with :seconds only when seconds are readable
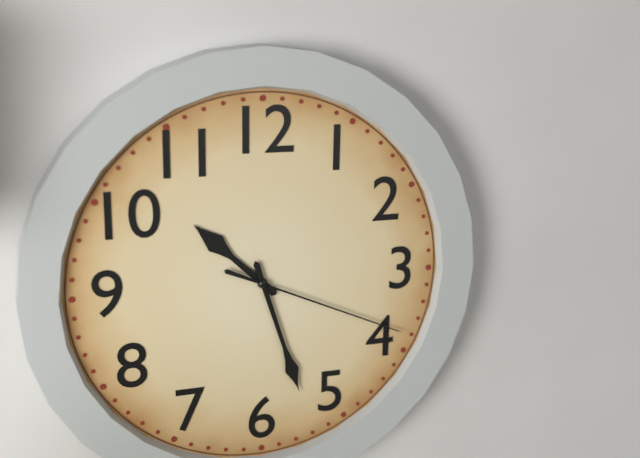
10:27:19
